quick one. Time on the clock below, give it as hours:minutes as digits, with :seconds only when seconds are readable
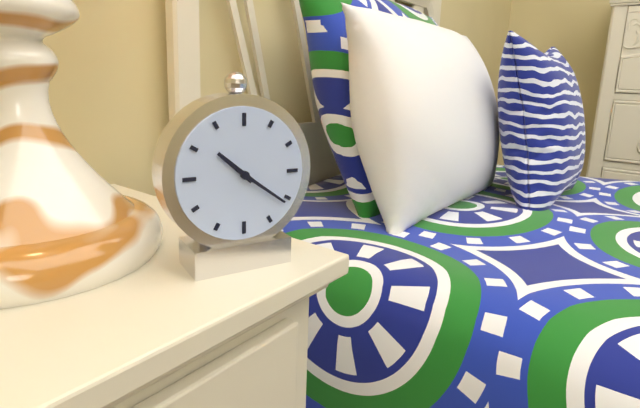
10:21
